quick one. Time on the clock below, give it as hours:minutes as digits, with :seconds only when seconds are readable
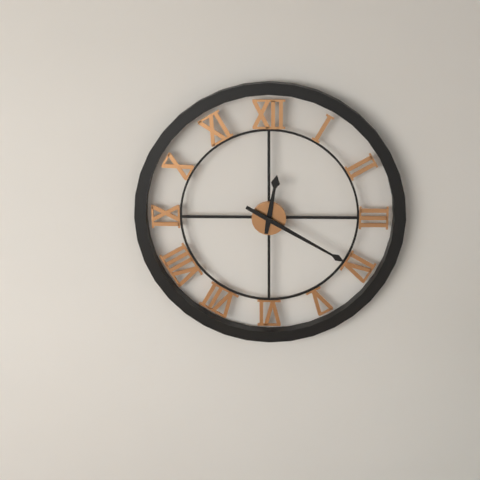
12:20
